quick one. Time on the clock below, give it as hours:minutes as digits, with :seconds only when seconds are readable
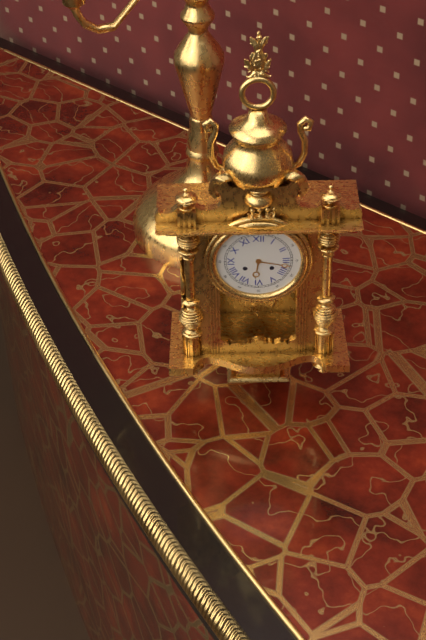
6:17
